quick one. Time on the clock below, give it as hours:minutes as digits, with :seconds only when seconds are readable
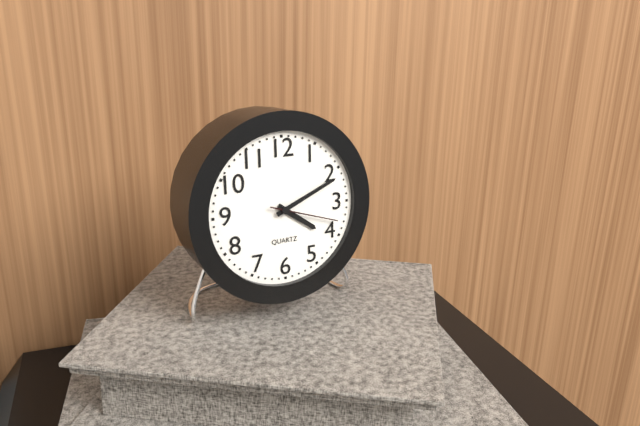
4:11:18
